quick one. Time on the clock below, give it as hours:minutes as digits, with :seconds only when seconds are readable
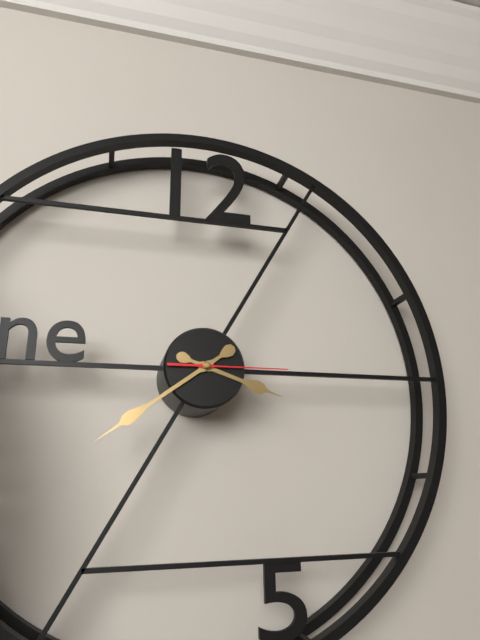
3:39:15
